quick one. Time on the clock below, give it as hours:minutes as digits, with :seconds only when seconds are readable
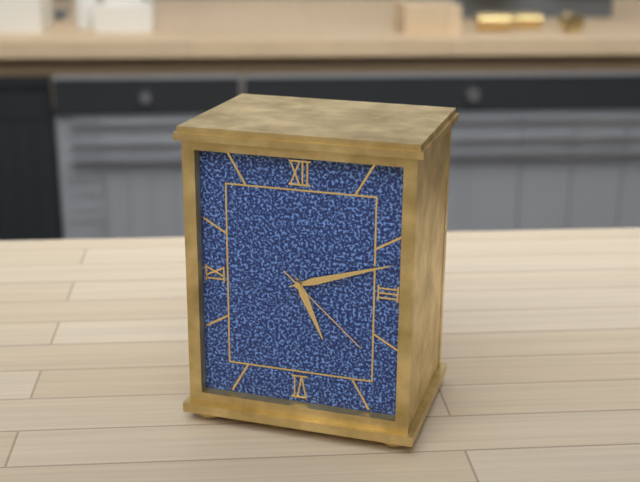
5:12:22
